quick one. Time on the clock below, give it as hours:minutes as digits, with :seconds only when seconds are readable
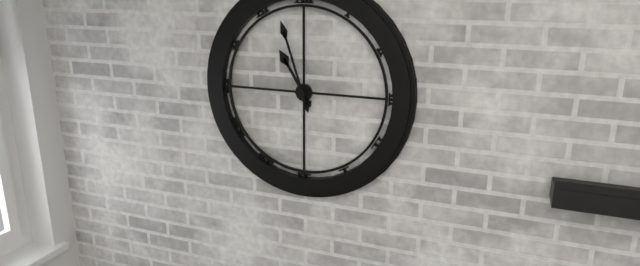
10:57
